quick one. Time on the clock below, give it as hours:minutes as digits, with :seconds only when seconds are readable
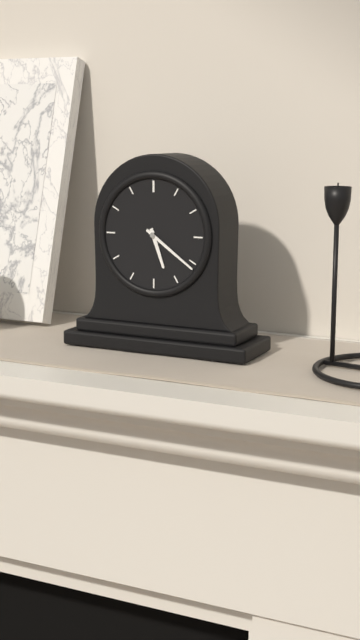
5:21
